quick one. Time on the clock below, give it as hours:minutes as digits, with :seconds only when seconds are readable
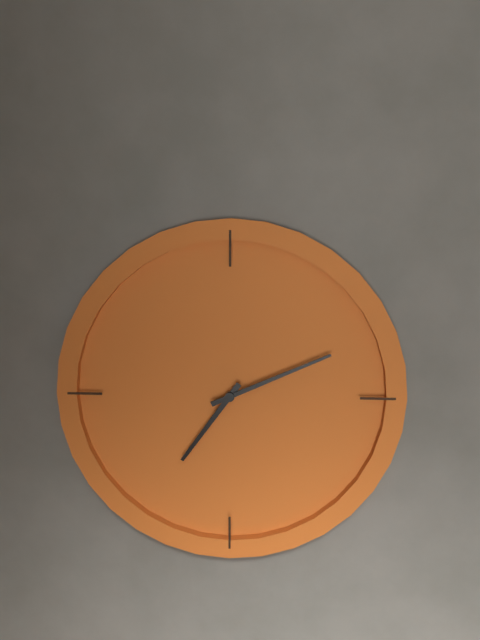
7:11
